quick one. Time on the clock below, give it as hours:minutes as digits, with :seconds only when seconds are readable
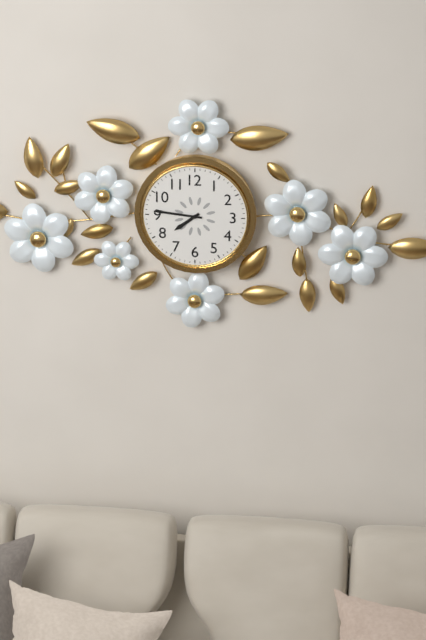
7:46
